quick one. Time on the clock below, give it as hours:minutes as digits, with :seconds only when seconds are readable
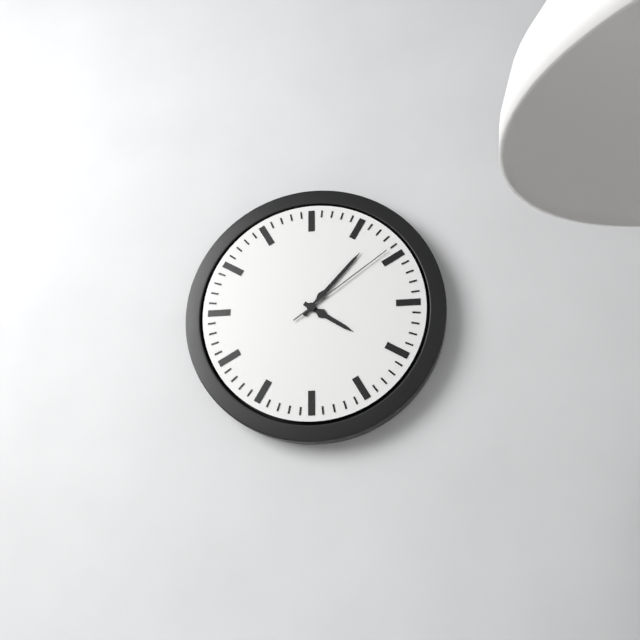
4:07:09
